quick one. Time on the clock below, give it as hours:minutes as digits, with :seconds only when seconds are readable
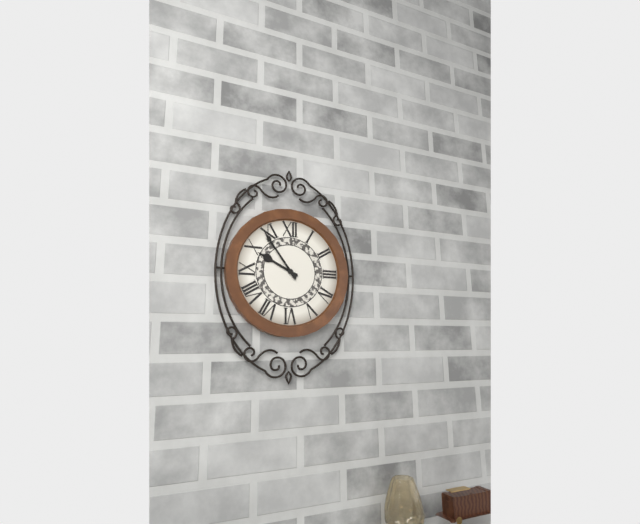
9:54
